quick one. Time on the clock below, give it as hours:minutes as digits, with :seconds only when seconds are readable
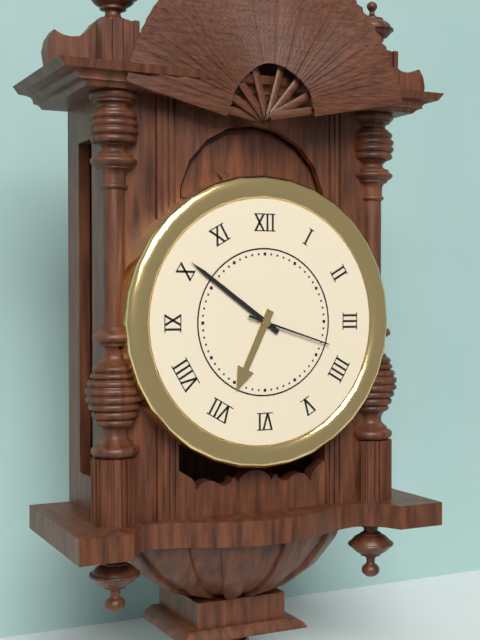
6:51:18
